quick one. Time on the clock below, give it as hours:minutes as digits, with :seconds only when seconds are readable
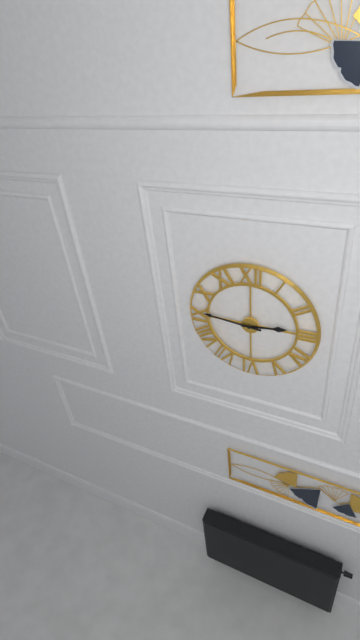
2:46
